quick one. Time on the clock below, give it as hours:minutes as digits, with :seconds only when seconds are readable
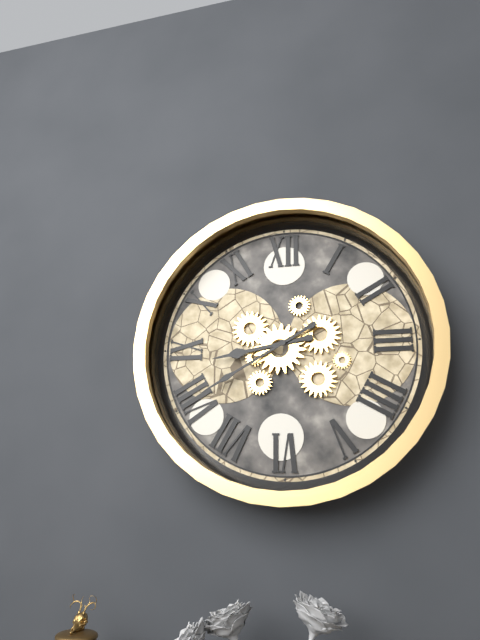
8:40
